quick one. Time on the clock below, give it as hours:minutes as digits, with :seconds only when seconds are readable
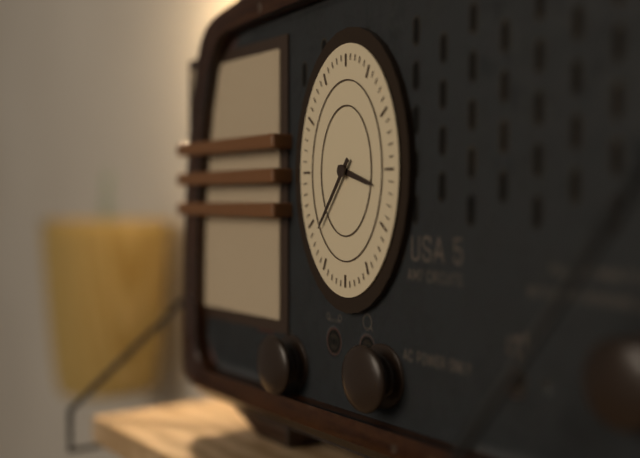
3:36
